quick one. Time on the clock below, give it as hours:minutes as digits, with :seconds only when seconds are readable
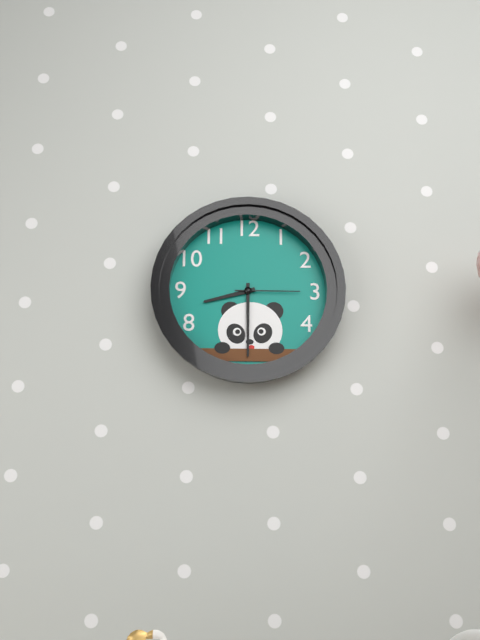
8:30:15
